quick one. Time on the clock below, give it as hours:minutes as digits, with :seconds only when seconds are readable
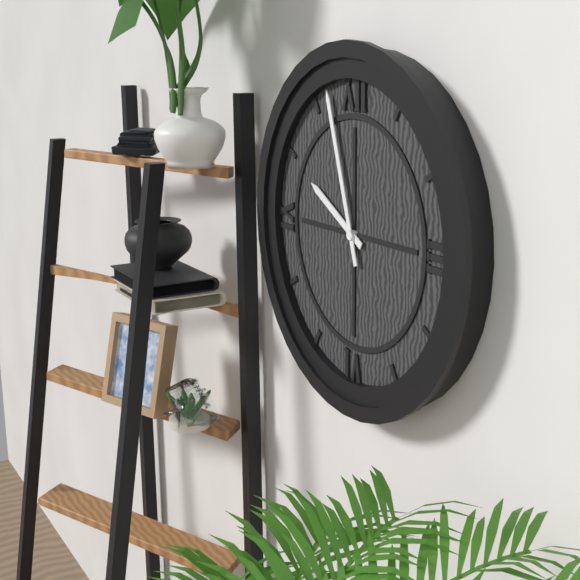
9:57
